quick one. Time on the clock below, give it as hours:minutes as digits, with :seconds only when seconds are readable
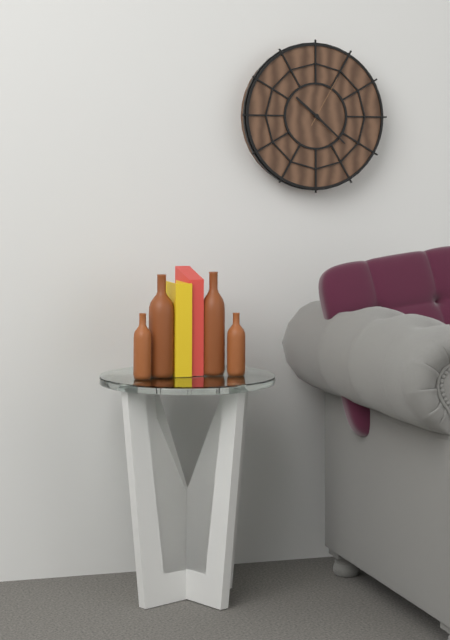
10:22:05
